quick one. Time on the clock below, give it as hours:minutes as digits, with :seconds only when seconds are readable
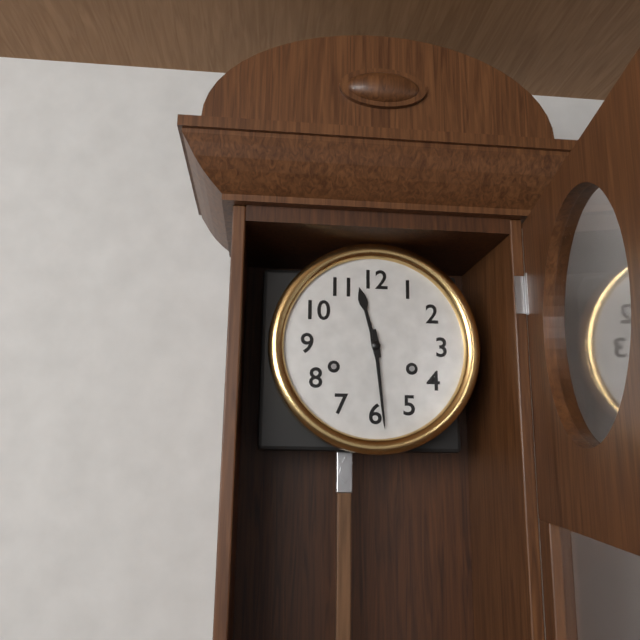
11:29
